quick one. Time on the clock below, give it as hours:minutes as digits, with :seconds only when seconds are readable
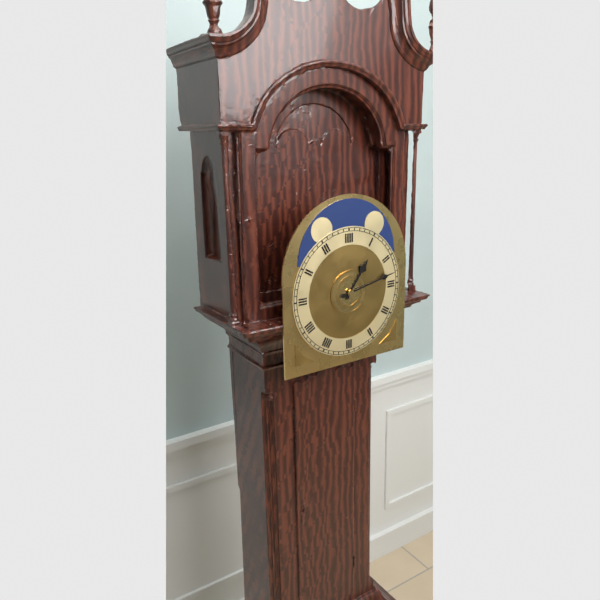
1:13
